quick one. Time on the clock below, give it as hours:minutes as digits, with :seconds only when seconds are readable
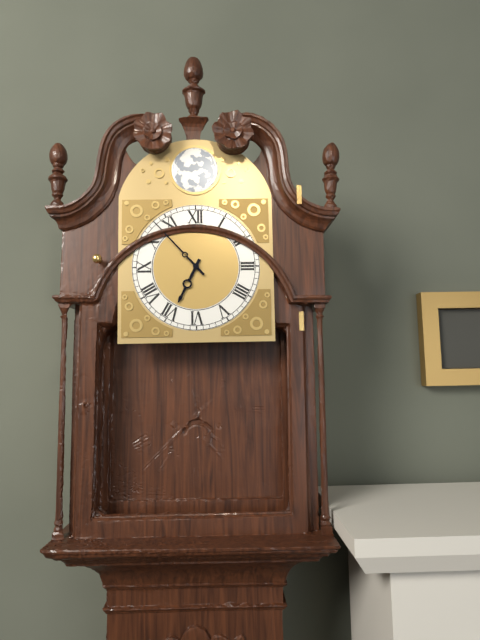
6:53
